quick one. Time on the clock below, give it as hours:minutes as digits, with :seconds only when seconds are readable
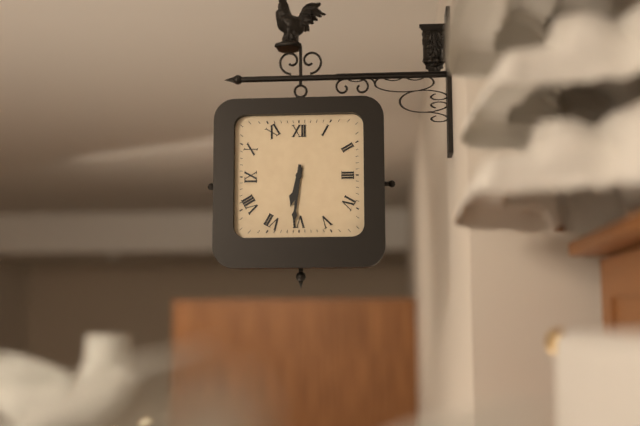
6:31
